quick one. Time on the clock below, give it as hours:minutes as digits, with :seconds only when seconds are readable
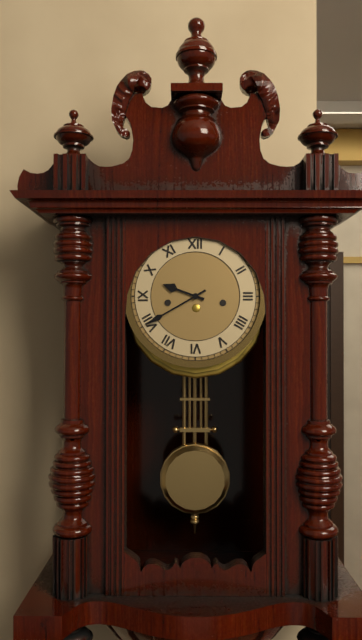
9:40
